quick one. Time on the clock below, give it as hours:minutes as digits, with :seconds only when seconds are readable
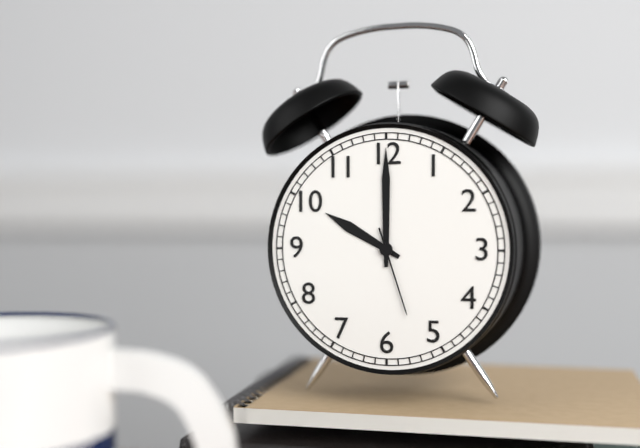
10:00:27
